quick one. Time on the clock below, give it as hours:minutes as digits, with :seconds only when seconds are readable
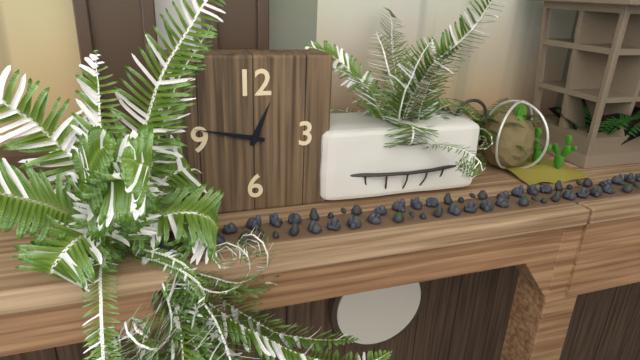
12:47
